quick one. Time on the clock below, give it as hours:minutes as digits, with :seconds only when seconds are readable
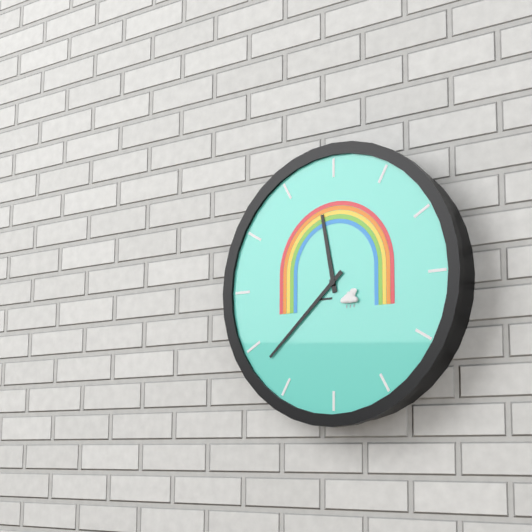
11:38
